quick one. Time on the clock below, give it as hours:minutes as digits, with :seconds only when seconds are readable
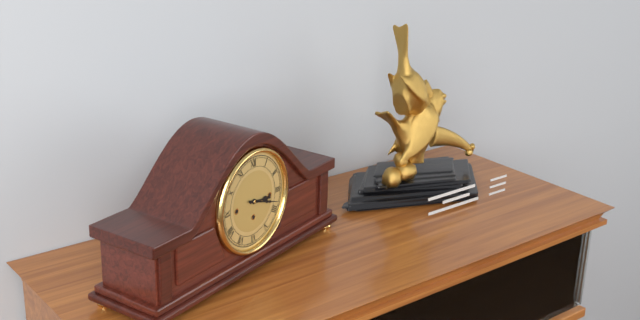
3:18
